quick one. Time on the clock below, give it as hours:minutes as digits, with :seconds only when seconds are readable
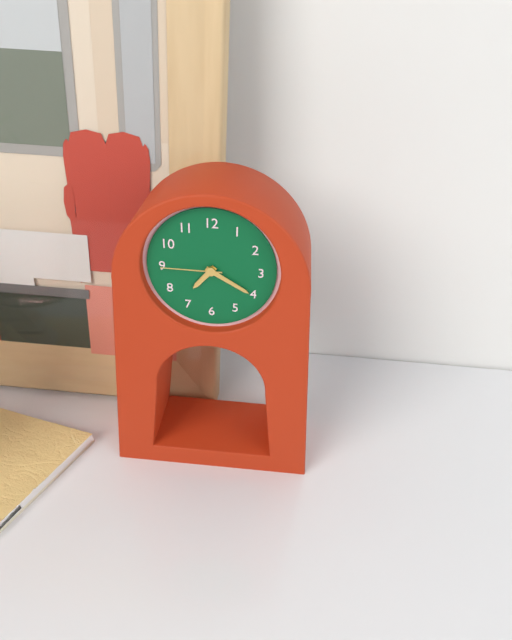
7:20:45
